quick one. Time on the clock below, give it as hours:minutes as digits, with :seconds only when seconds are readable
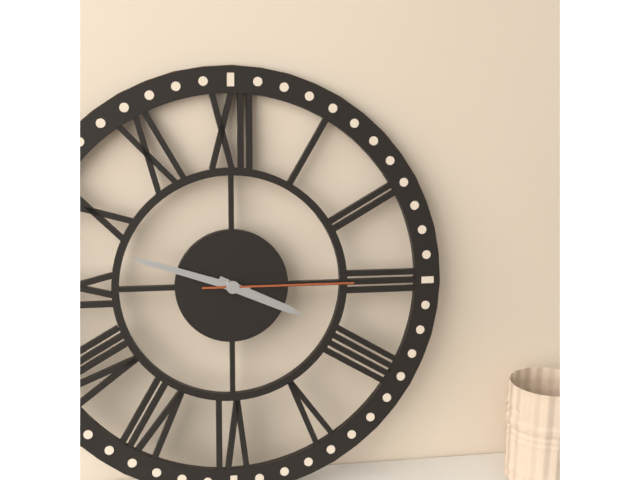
3:48:15
